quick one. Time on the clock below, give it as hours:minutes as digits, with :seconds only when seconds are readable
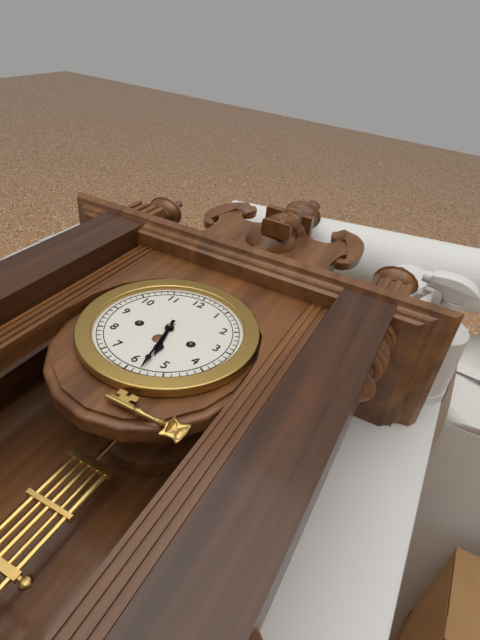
5:28
